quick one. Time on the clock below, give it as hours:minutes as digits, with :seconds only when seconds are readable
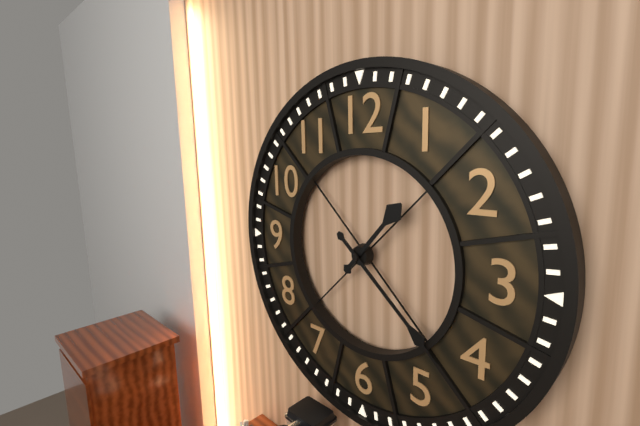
1:22
